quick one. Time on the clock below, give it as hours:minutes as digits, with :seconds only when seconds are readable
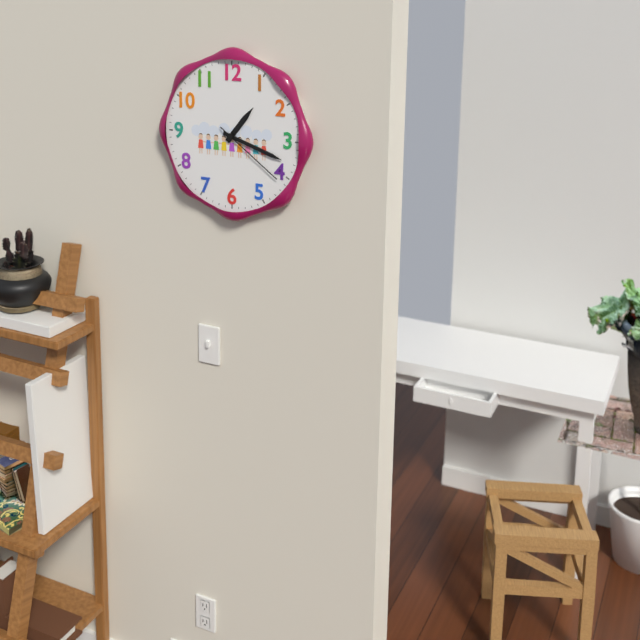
1:18:21
